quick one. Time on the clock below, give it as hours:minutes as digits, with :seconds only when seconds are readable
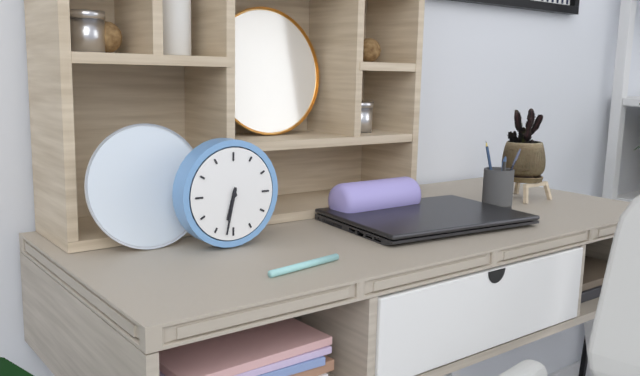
6:32
